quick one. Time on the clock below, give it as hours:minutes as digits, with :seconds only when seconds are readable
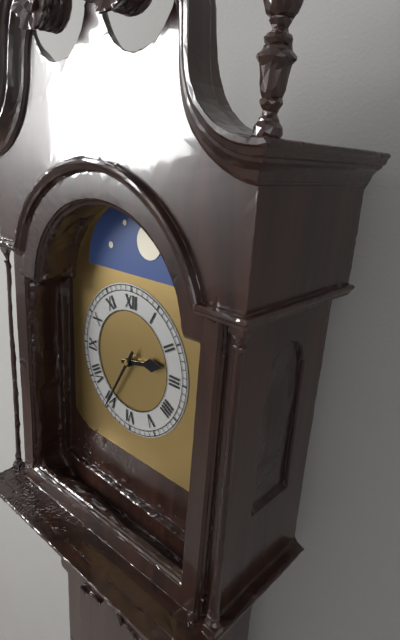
2:35
